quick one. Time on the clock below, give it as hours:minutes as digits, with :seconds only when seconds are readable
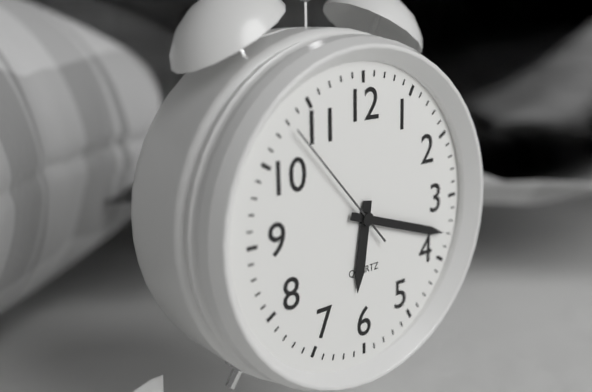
6:18:53
